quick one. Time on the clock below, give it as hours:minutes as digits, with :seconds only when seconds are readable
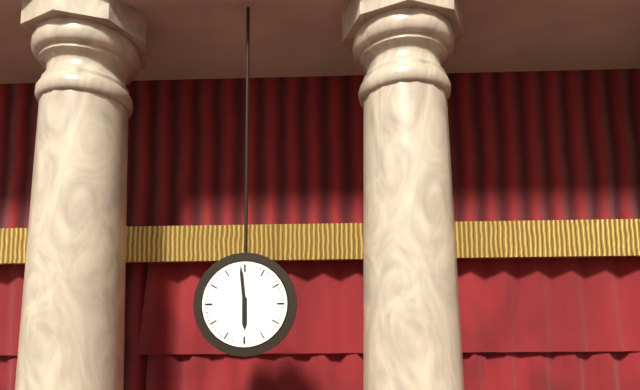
5:59
